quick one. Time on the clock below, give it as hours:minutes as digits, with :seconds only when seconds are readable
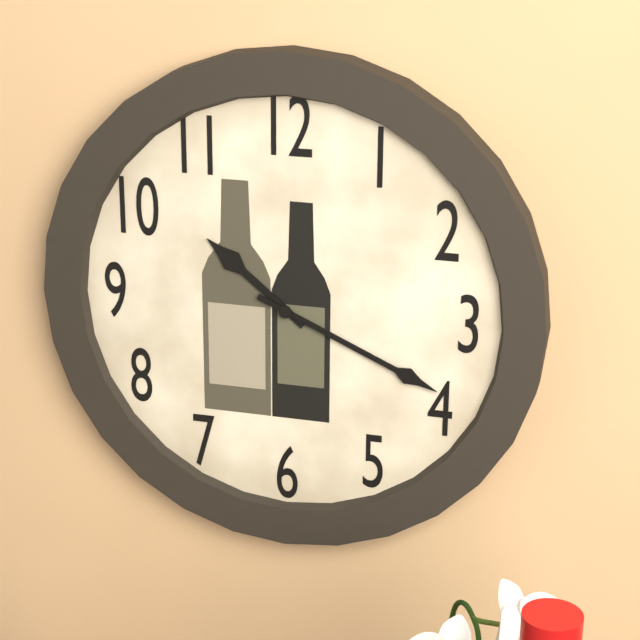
10:19
